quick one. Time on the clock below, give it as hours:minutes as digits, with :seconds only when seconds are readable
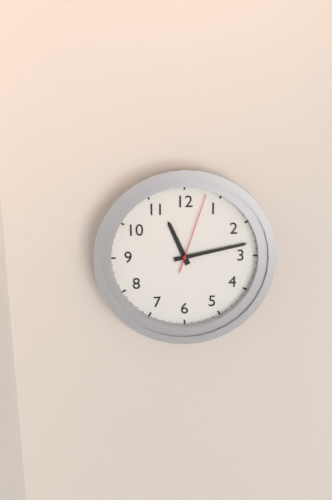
11:13:03
